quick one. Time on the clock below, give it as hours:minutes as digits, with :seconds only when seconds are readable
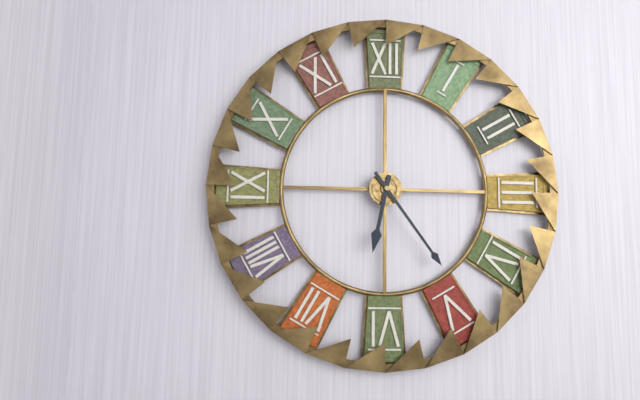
6:24
